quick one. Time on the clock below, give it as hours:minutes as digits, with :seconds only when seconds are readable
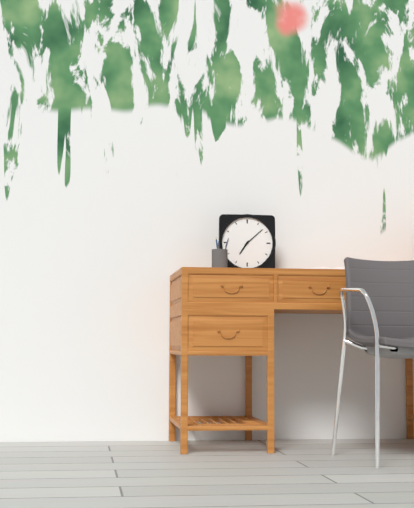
7:08
